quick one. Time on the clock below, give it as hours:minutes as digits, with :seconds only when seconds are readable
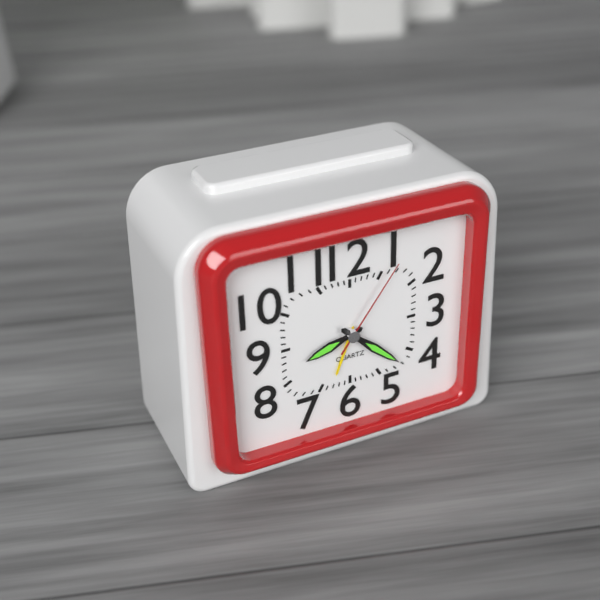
8:22:06
